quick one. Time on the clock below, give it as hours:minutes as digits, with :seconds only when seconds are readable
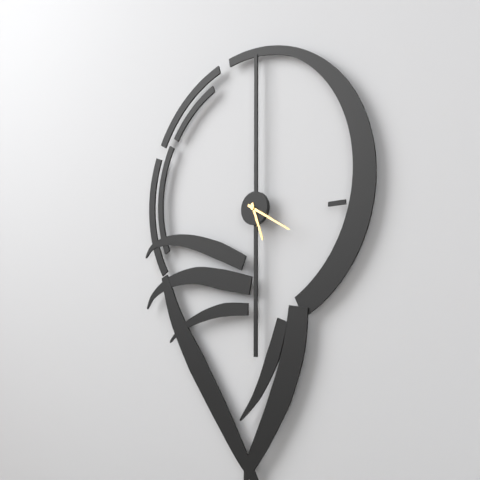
5:20
